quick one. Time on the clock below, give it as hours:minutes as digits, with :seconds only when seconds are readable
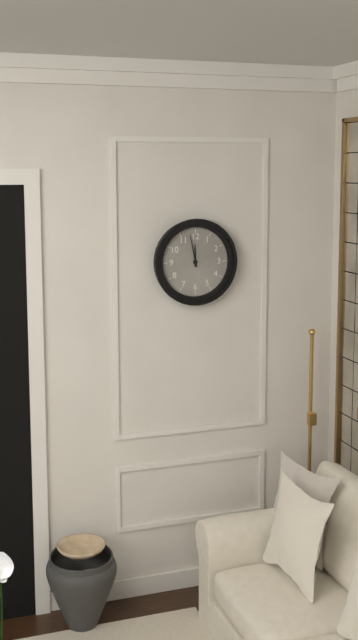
11:58
